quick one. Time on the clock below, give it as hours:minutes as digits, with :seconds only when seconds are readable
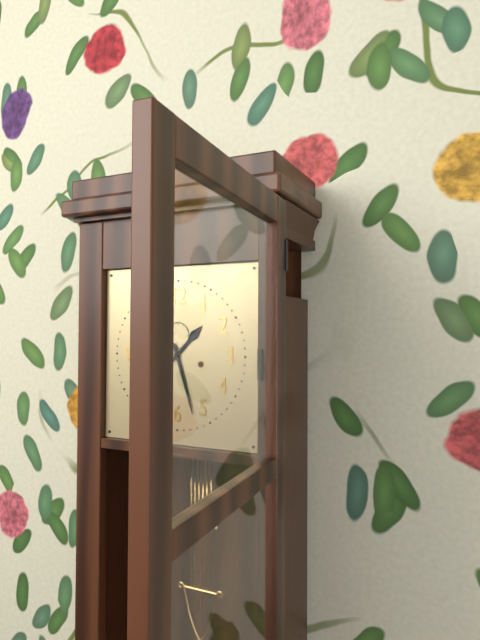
1:27
